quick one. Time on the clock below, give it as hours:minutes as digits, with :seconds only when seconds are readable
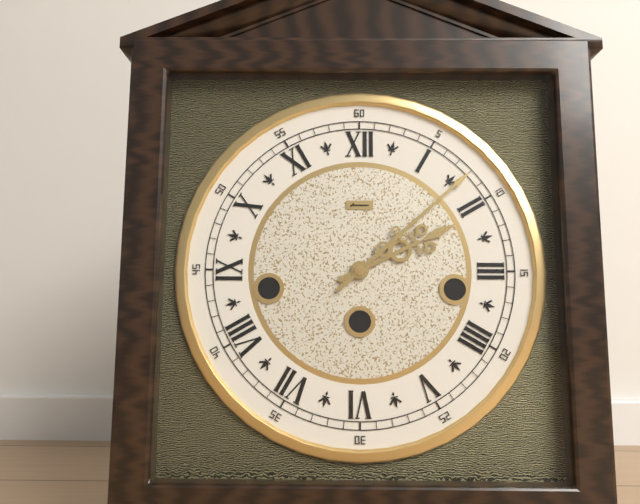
2:08
